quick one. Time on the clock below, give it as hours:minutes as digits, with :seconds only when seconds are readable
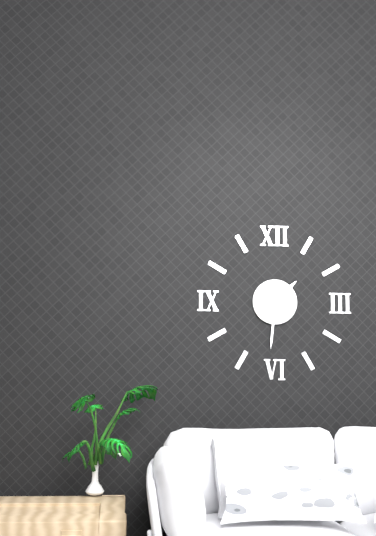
1:31
